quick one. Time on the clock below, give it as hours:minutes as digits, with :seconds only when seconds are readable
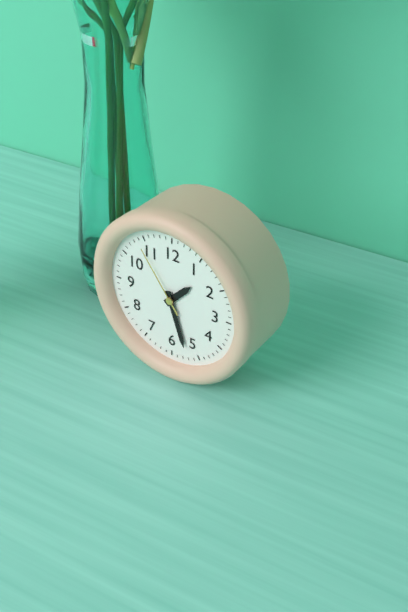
1:27:54
